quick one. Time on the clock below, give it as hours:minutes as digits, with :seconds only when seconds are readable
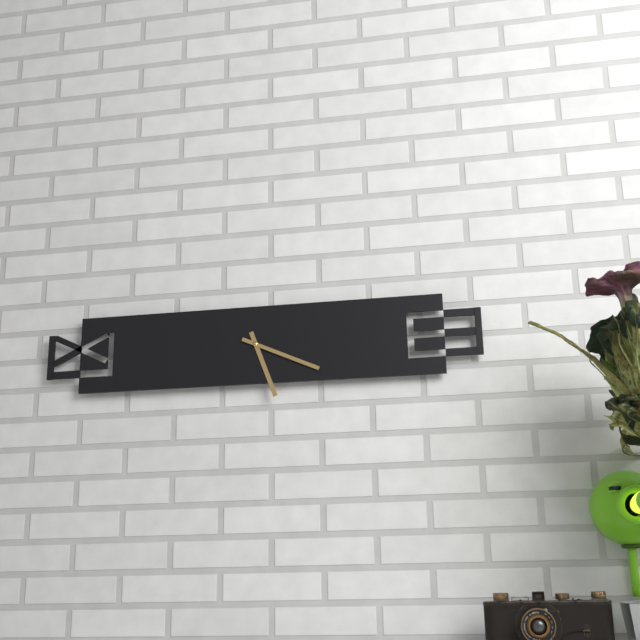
5:19
